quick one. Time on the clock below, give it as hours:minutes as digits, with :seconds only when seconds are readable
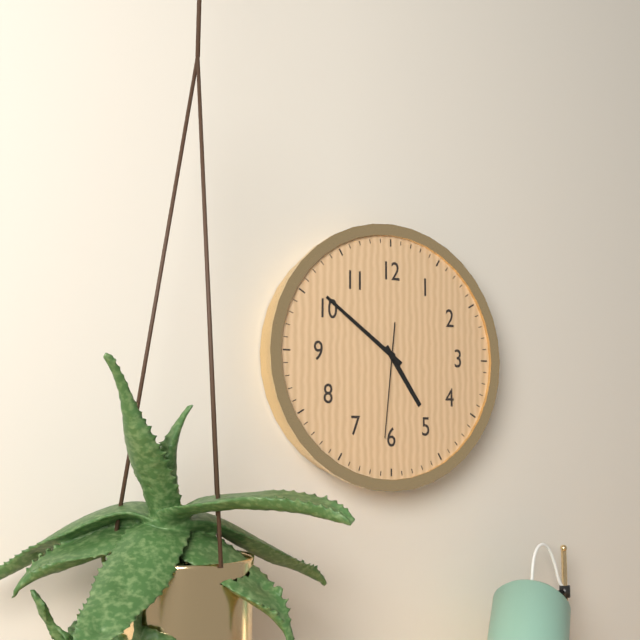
4:51:31
